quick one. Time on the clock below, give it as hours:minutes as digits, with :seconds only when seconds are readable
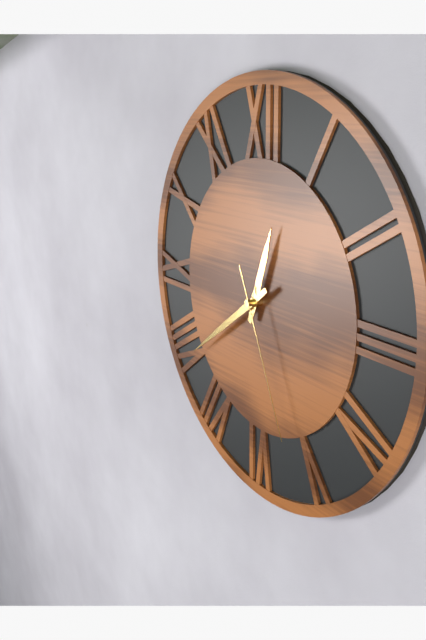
12:39:26
